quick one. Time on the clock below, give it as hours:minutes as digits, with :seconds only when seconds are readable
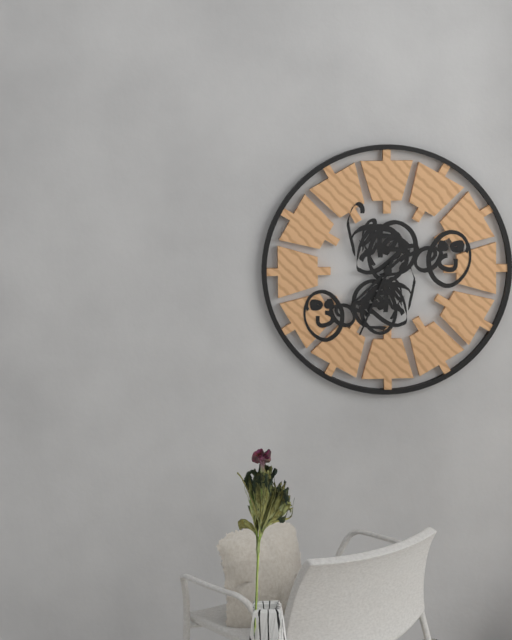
7:34
